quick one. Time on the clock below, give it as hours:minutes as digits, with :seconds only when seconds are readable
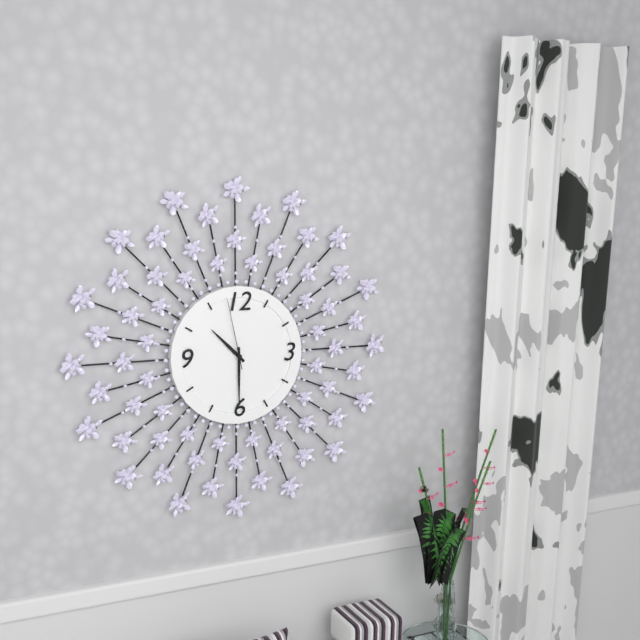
10:30:58
